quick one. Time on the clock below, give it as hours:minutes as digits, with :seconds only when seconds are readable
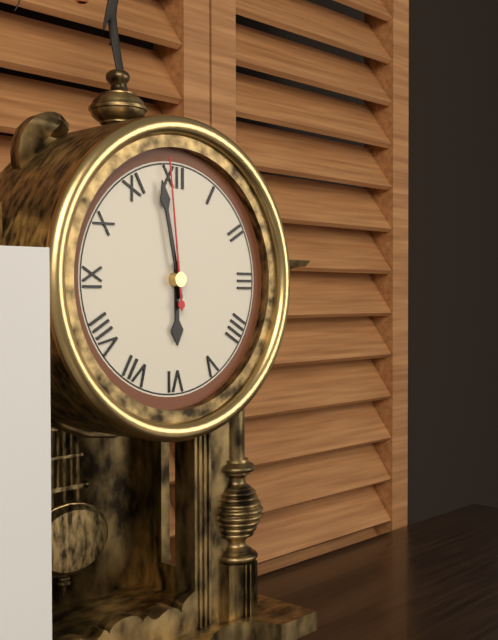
5:58:59
